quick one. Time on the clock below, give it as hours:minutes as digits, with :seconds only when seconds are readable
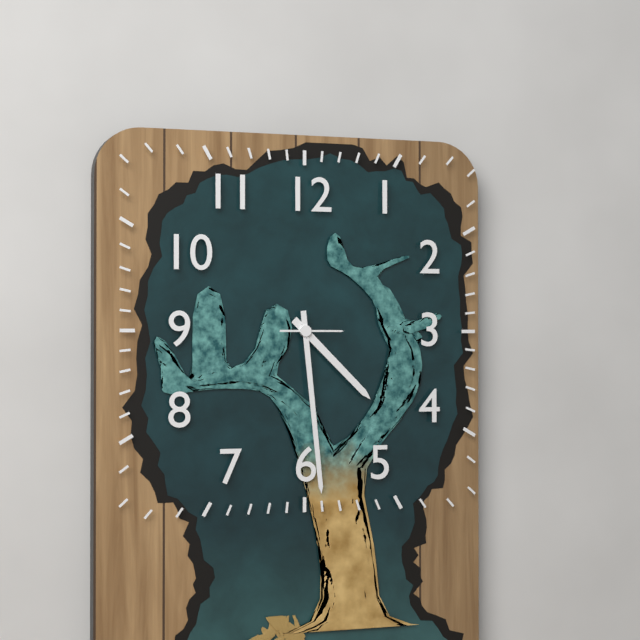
4:29:15
